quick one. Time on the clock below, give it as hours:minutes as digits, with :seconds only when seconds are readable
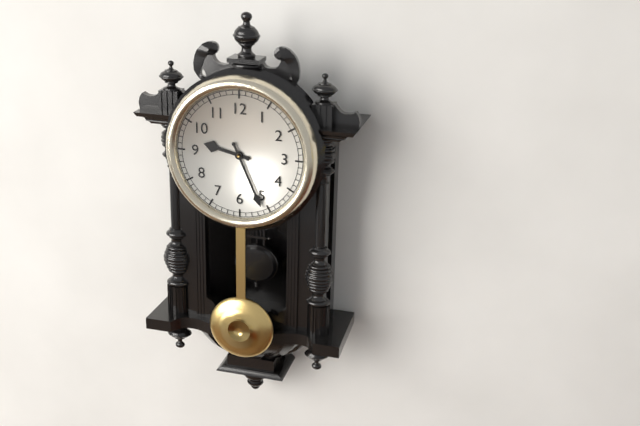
9:26
